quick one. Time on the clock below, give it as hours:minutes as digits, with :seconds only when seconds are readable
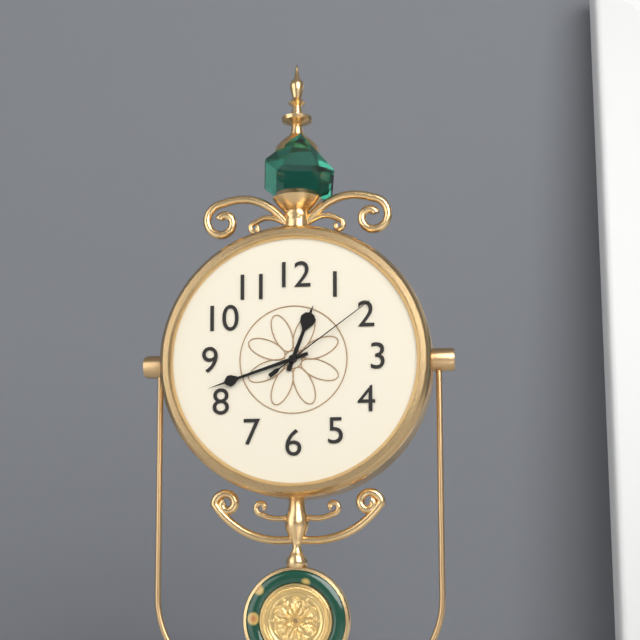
12:42:09
